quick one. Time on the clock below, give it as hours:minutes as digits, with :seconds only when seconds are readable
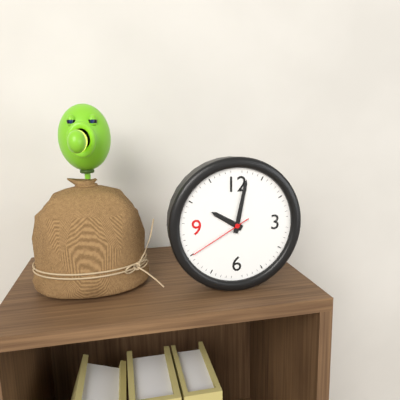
10:02:40
